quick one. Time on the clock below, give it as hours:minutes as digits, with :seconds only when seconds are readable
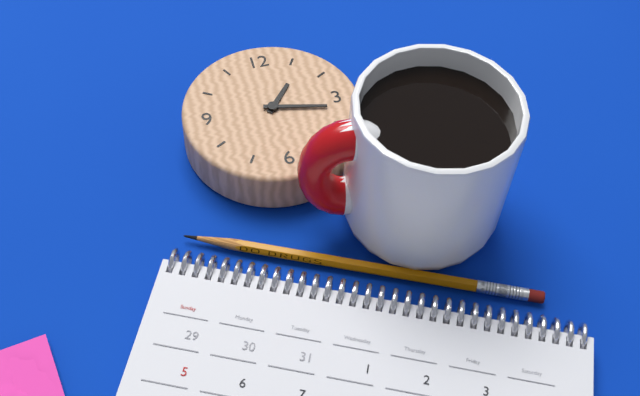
1:17
